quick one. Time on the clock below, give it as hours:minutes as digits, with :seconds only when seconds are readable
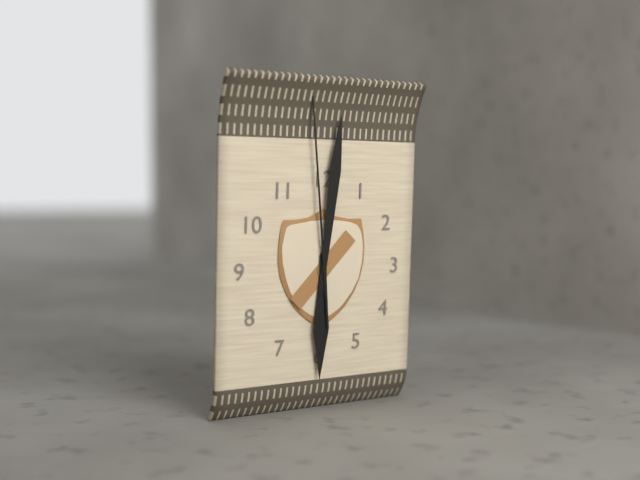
6:01:59
